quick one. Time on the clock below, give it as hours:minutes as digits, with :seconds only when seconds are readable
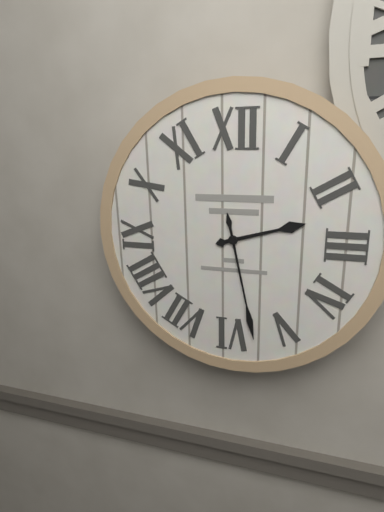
2:28
